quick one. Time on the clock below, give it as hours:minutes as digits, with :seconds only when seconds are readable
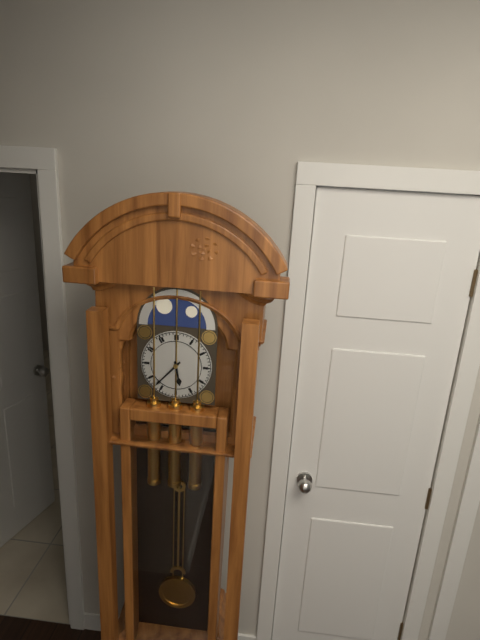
5:37
